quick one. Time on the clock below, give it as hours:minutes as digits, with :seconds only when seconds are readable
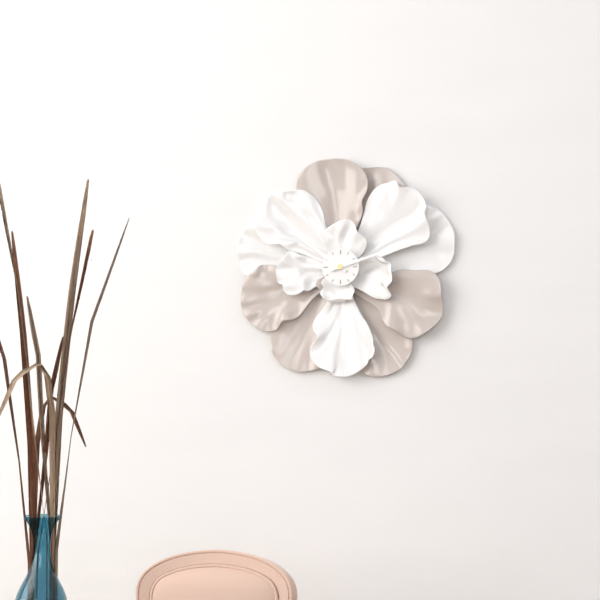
10:12
